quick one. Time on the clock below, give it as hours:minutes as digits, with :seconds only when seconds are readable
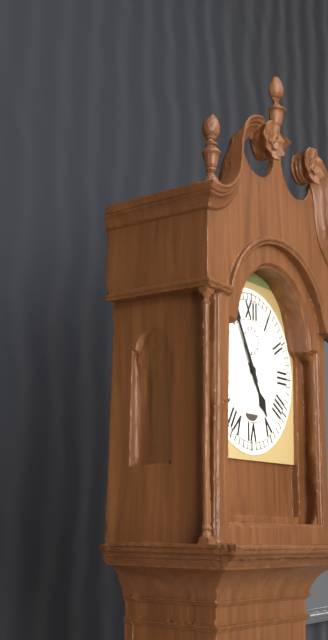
4:55
